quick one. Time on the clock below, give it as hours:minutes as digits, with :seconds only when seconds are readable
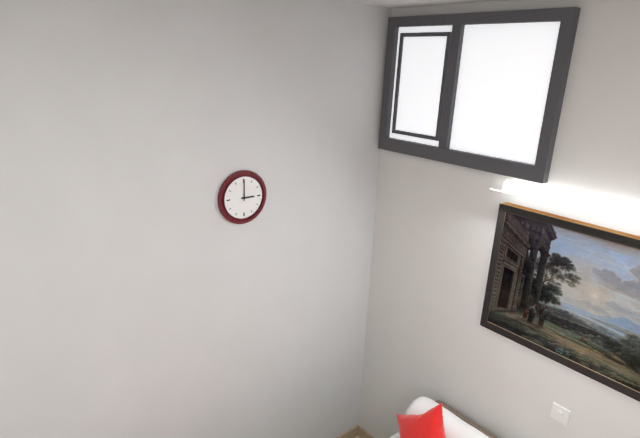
3:00
